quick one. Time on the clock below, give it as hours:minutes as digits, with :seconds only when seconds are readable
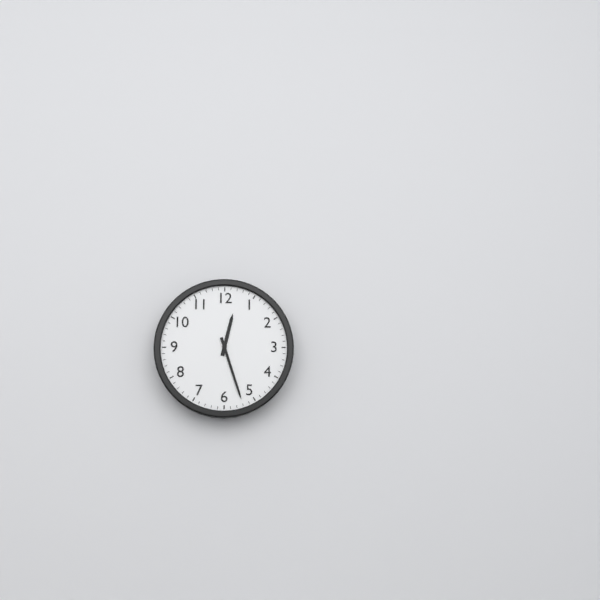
12:27
